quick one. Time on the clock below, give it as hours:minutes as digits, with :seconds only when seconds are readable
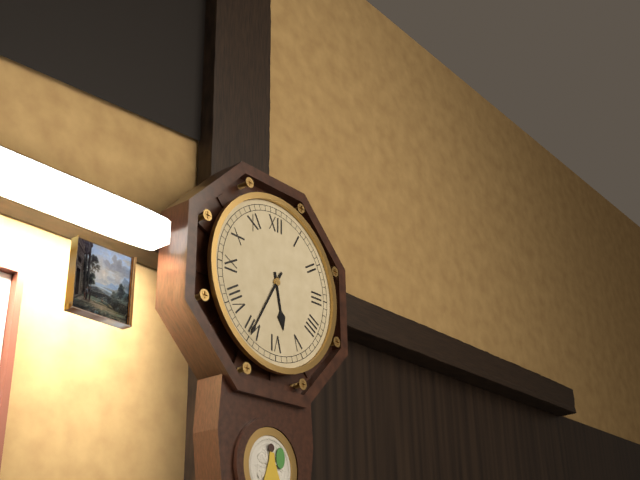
5:35
